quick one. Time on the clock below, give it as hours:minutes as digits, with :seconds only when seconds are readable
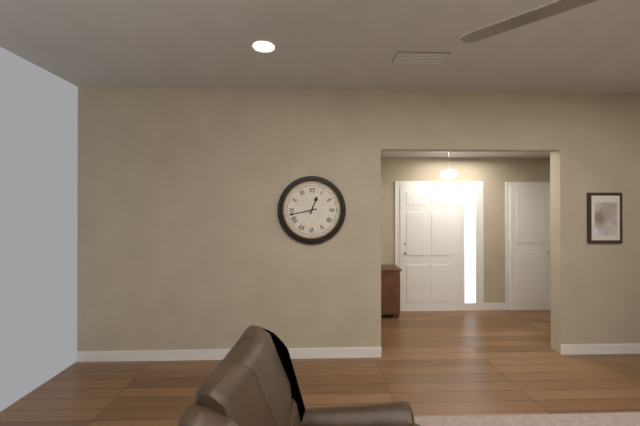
12:43
